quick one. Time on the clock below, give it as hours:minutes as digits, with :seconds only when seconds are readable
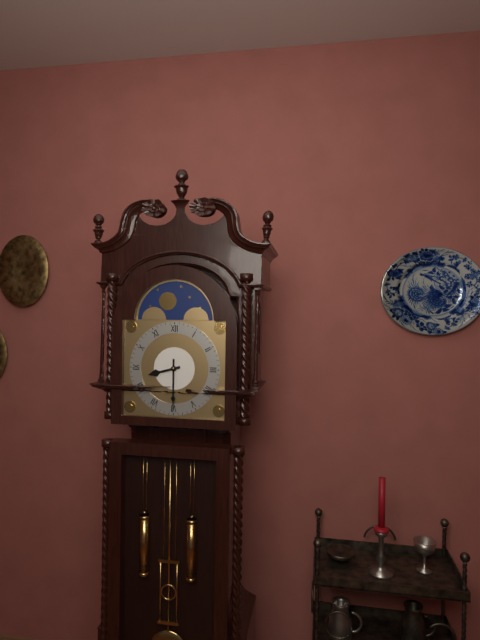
8:30
